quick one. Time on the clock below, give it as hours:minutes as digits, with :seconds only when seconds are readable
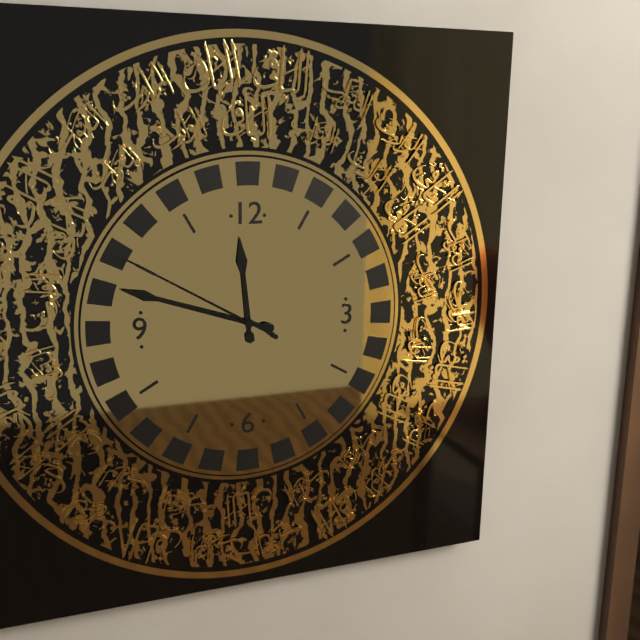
11:48:50
